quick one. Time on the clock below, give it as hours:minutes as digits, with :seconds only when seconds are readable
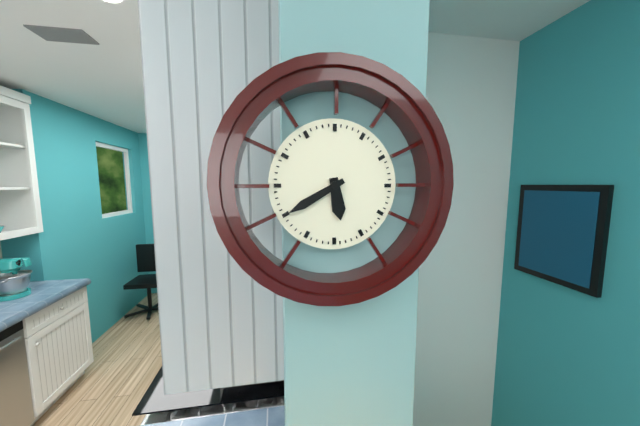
5:40
